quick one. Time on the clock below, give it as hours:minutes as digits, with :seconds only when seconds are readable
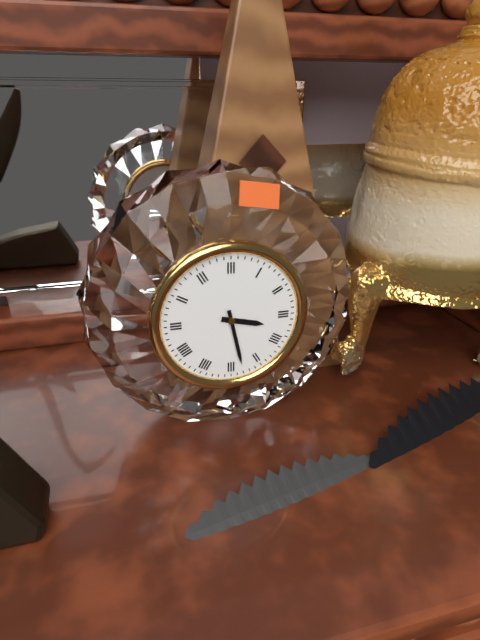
3:28
